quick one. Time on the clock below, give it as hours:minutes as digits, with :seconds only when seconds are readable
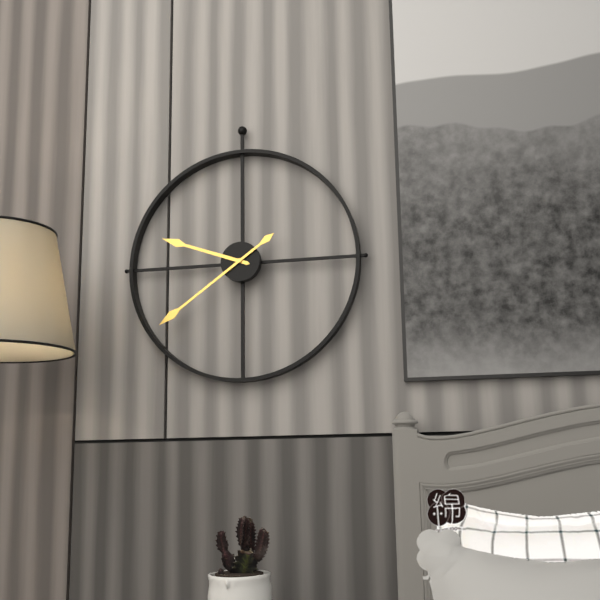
9:39
